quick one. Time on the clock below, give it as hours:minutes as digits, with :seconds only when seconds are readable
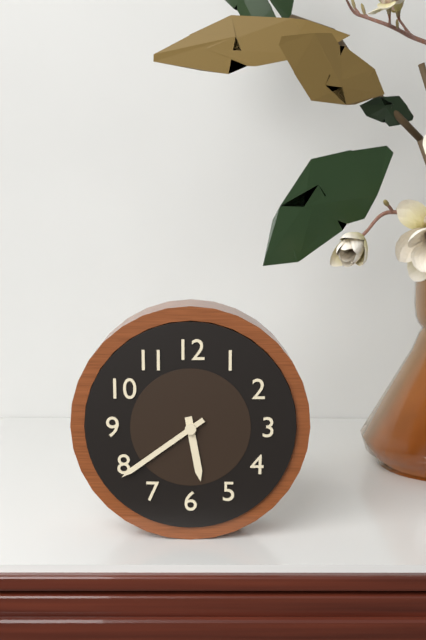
5:39
